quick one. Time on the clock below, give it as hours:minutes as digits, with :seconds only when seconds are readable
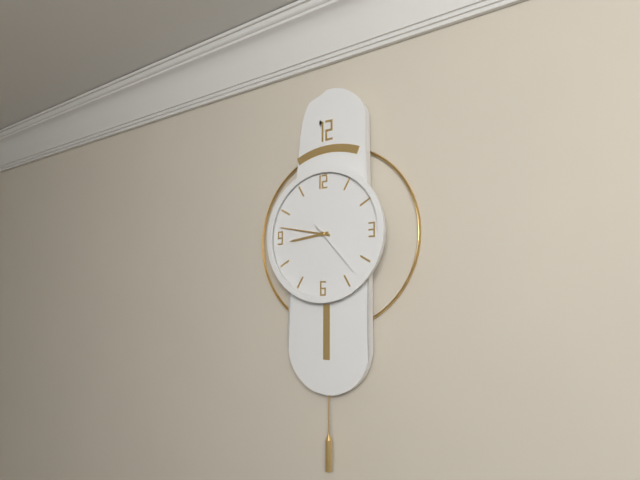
8:47
